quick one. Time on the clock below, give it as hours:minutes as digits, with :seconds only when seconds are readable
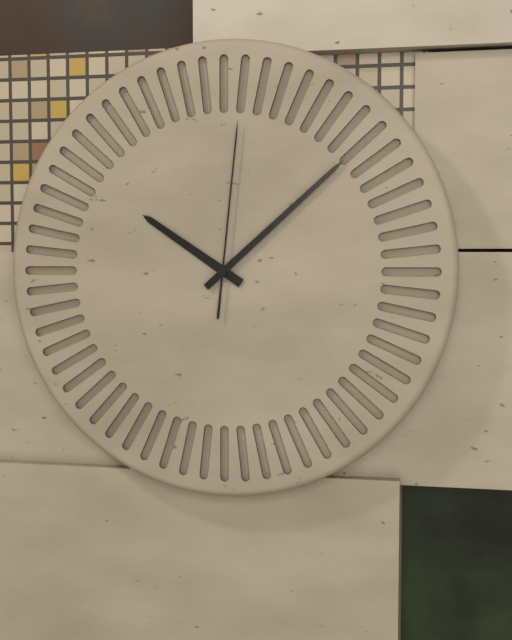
10:08:01
